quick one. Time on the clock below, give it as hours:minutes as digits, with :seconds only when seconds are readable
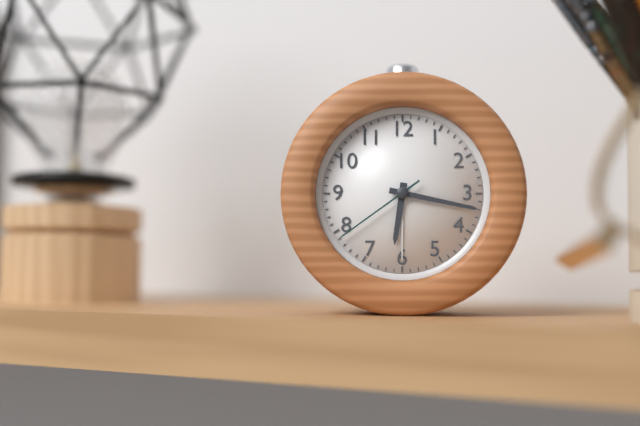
6:17:39
